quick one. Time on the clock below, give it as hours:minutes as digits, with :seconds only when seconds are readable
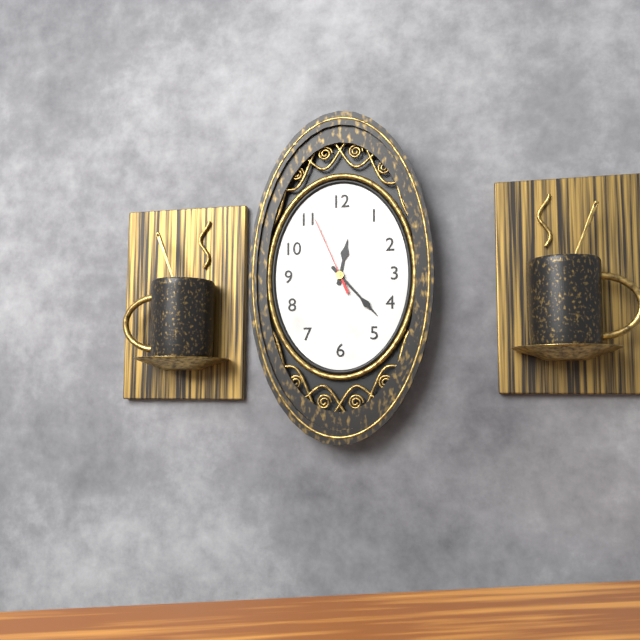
12:23:56
